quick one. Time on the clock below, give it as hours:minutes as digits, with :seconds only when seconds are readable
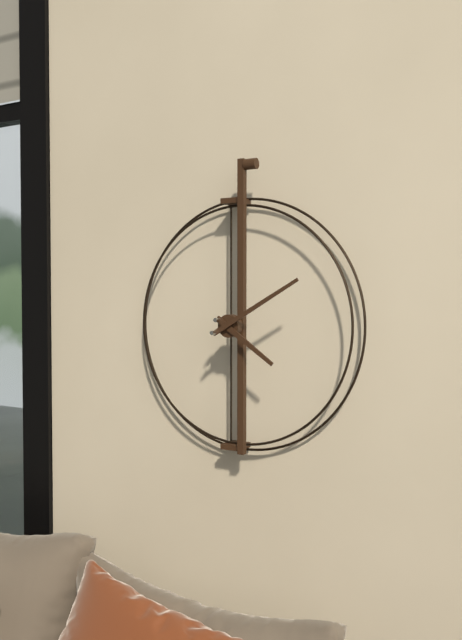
4:10
